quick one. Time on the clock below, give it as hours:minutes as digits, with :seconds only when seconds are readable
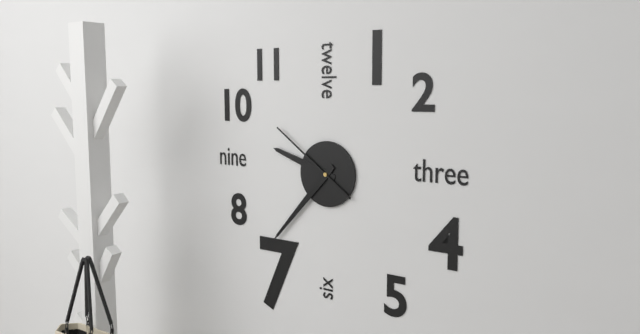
9:37:51
